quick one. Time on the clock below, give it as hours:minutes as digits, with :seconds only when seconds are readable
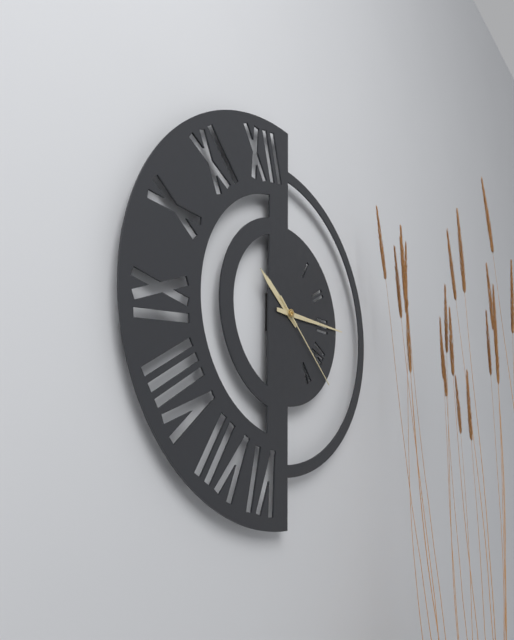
10:15:22
